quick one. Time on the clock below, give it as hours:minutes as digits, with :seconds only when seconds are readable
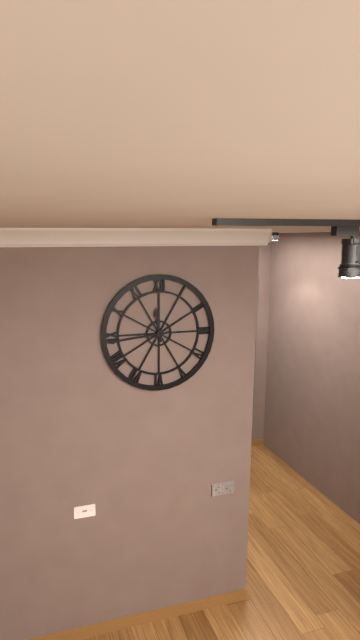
11:44
